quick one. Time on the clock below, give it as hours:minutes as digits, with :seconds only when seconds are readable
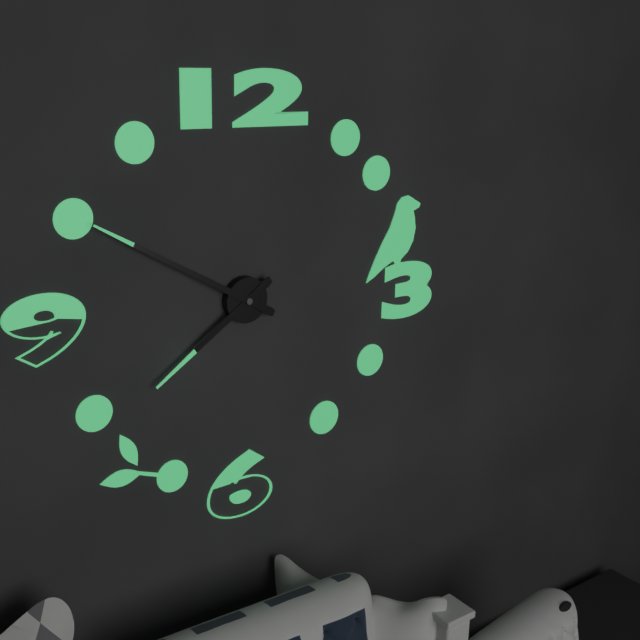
7:50
